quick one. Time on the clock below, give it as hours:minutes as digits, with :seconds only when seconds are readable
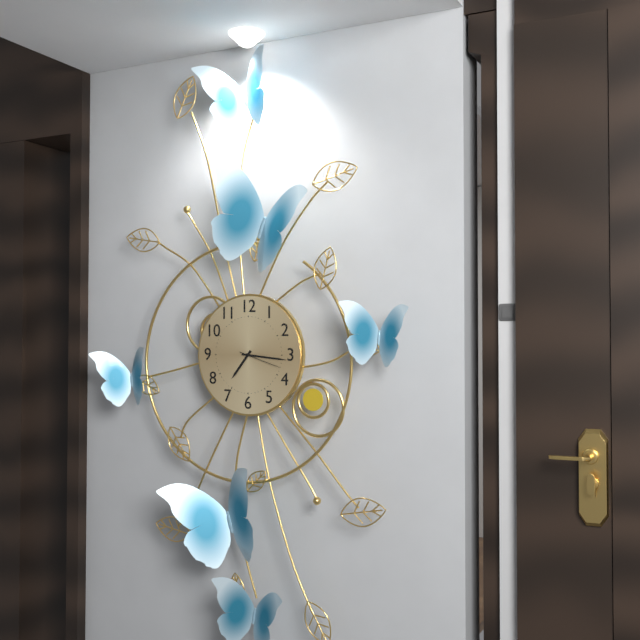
7:16
